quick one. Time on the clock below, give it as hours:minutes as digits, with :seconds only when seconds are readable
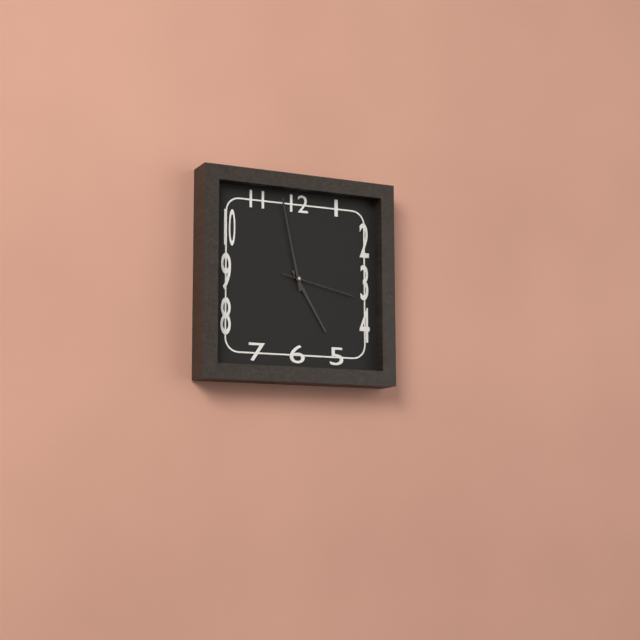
4:58:17
